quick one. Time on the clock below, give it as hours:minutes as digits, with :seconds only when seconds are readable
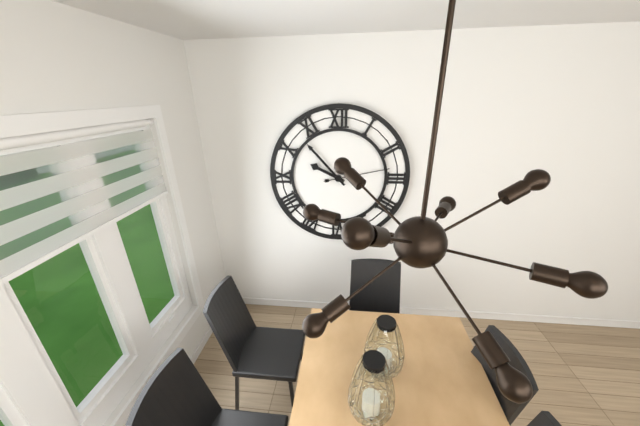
9:53:13
